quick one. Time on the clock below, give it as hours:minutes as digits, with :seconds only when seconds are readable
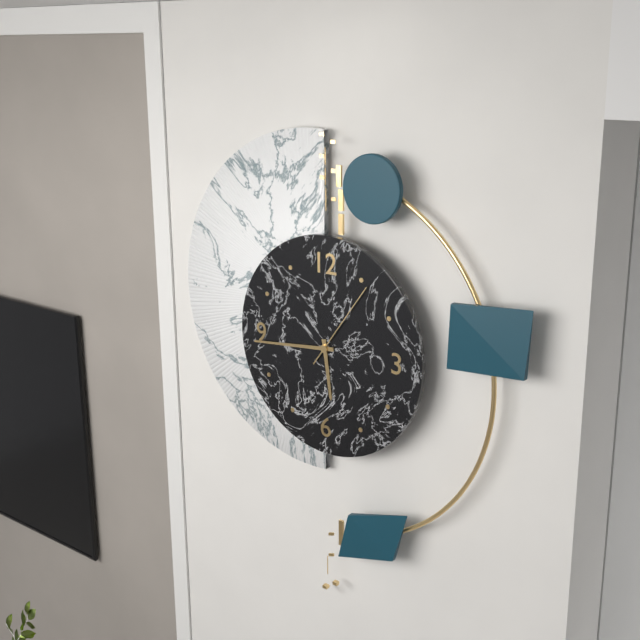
5:44:06
